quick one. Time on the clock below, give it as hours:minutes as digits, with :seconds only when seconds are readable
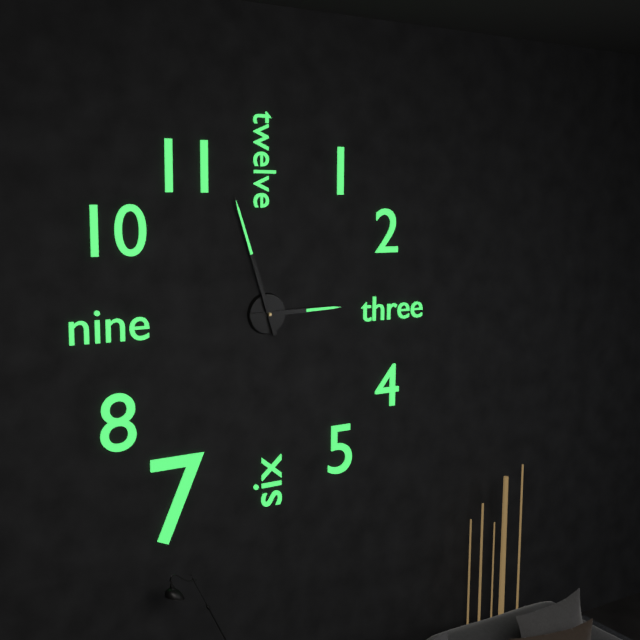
2:57
